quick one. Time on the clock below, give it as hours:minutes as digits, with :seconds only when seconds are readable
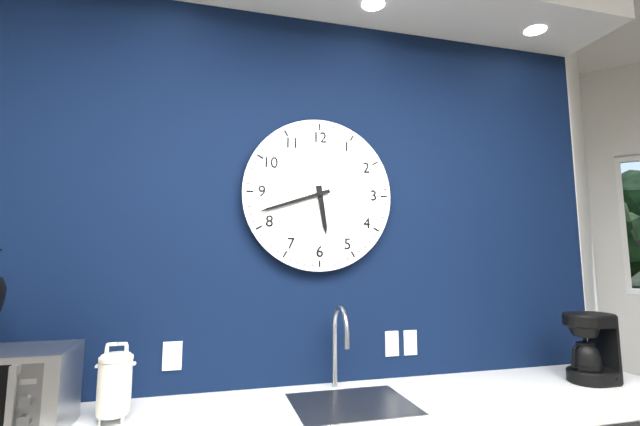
5:42
